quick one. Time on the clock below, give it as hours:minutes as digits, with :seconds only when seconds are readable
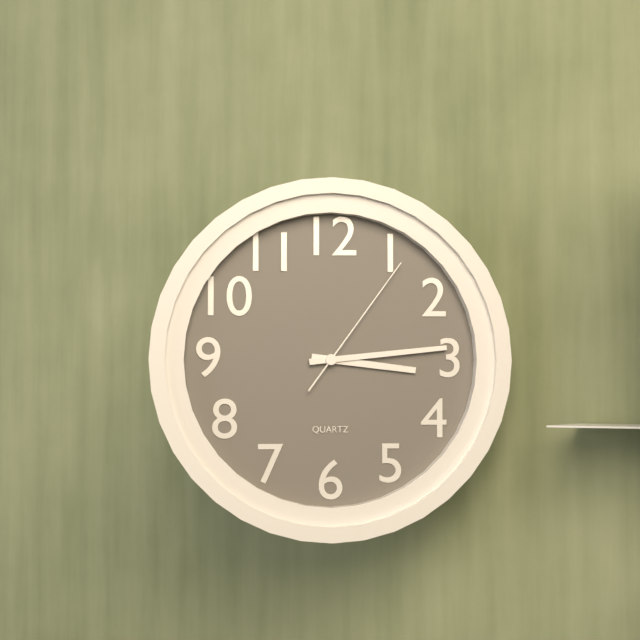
3:14:06
